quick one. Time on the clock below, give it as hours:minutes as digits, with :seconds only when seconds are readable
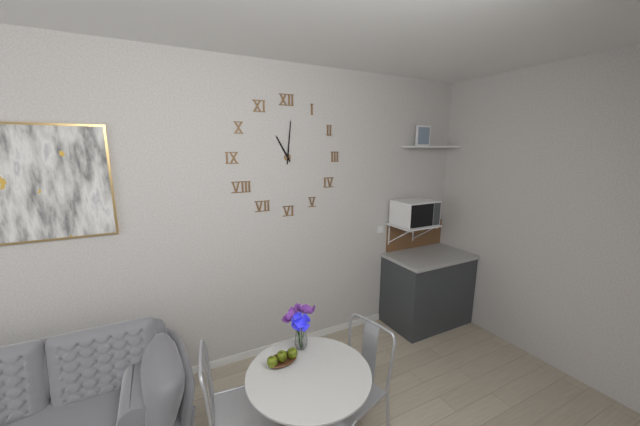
11:01
